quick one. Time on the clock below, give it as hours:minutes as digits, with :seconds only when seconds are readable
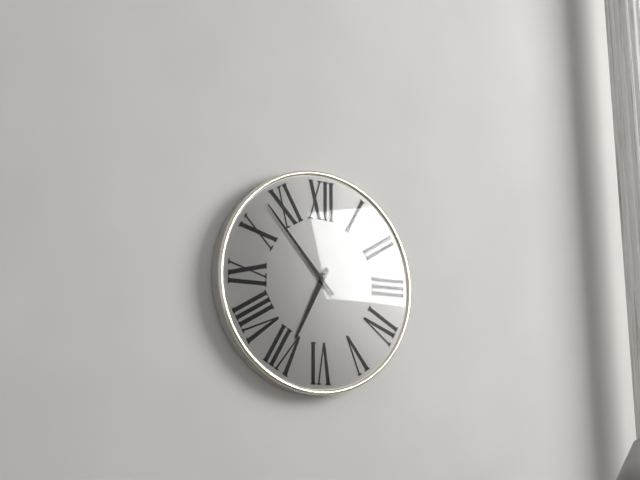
6:53
